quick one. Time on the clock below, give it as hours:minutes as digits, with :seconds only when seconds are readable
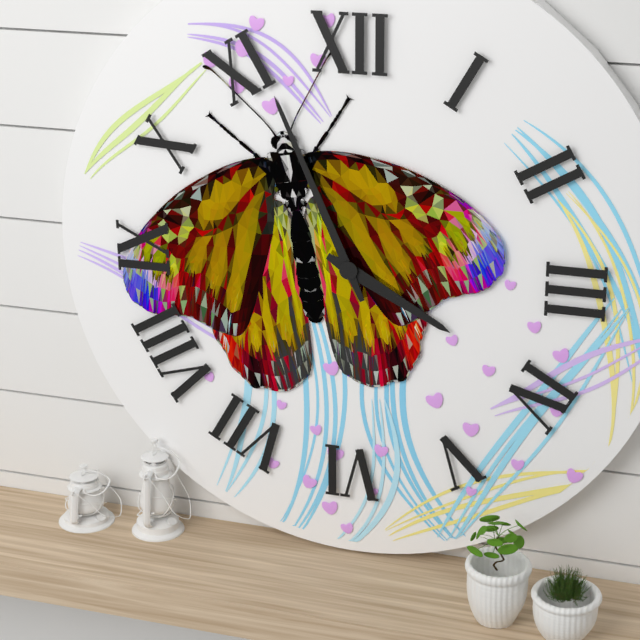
3:56
